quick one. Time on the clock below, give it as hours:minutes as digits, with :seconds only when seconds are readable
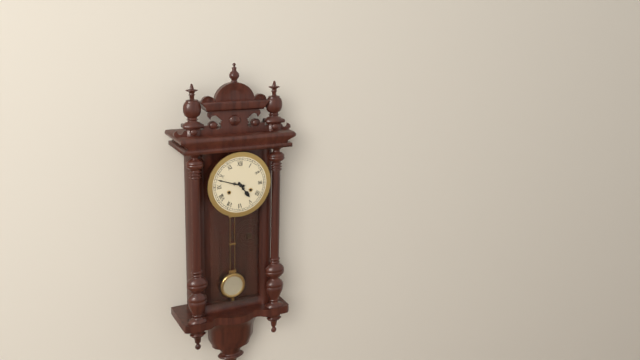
4:48
